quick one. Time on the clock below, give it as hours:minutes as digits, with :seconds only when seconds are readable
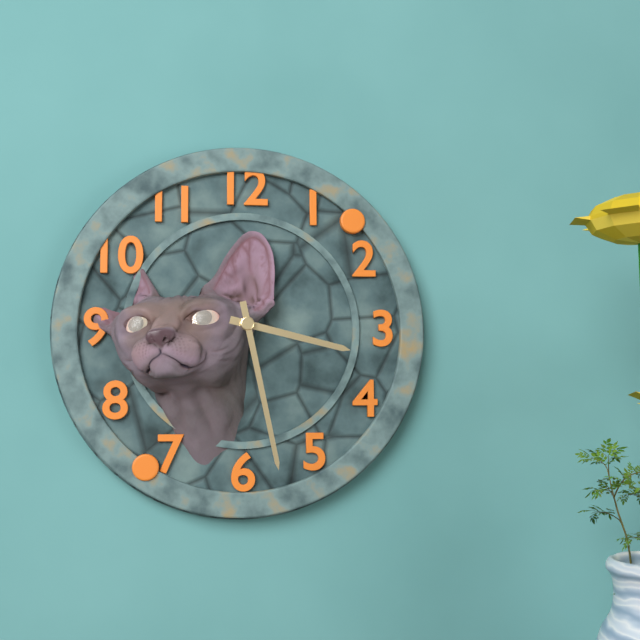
3:28
